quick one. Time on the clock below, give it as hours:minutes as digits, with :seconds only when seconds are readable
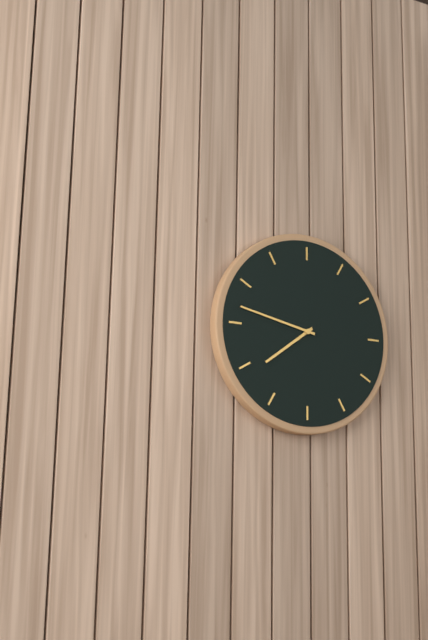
7:47
